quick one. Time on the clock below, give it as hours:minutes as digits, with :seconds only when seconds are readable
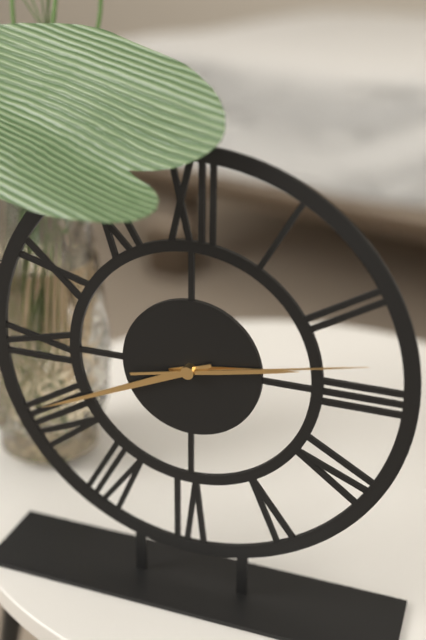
2:41:13
